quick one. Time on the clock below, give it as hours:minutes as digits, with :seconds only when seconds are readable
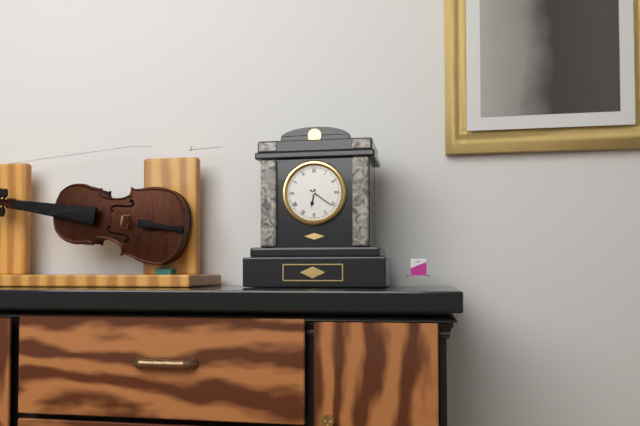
6:21
